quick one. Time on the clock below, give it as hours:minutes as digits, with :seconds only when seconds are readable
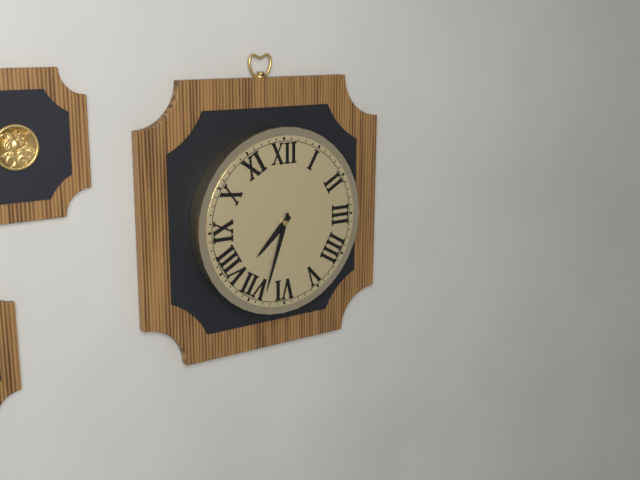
7:33
